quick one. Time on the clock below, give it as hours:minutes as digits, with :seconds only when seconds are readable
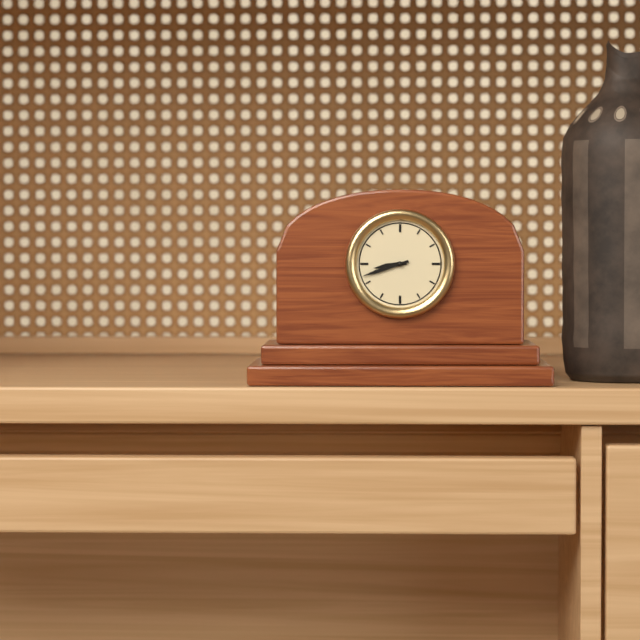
8:42
